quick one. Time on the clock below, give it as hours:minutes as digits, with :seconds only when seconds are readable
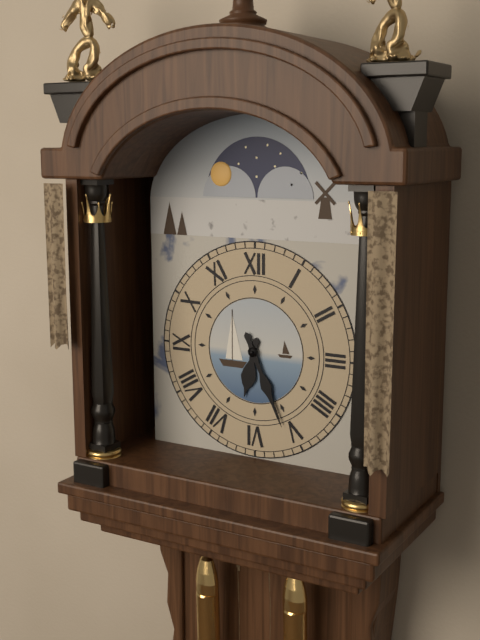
6:26
